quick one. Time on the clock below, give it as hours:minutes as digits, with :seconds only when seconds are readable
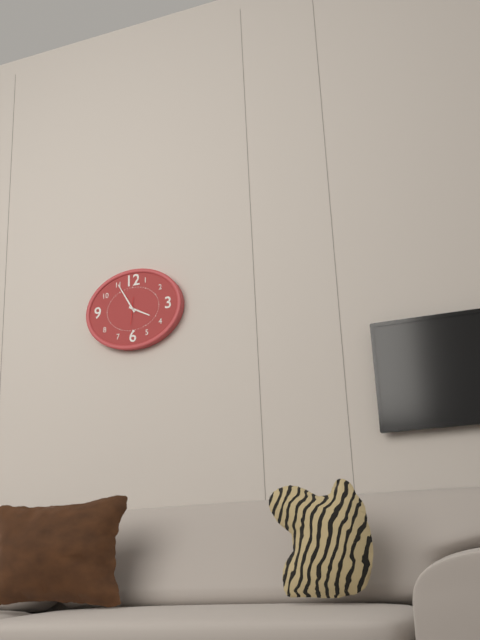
3:55
